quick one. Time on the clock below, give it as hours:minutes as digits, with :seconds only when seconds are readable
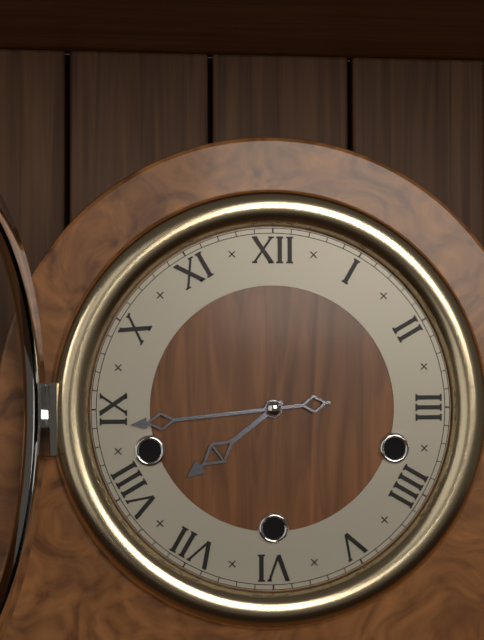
7:44
